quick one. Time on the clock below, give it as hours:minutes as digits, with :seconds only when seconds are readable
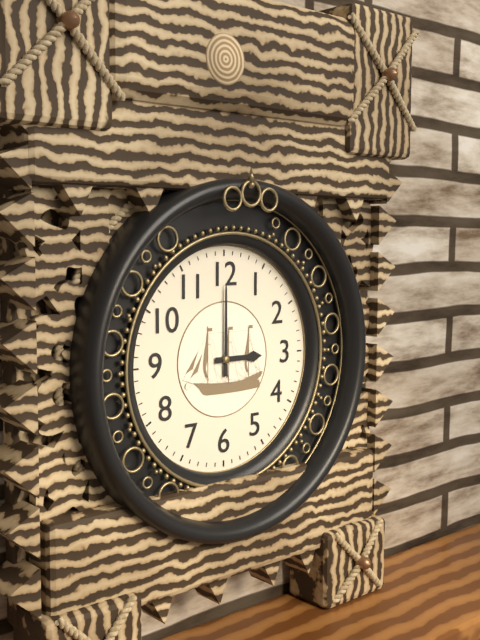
3:00
